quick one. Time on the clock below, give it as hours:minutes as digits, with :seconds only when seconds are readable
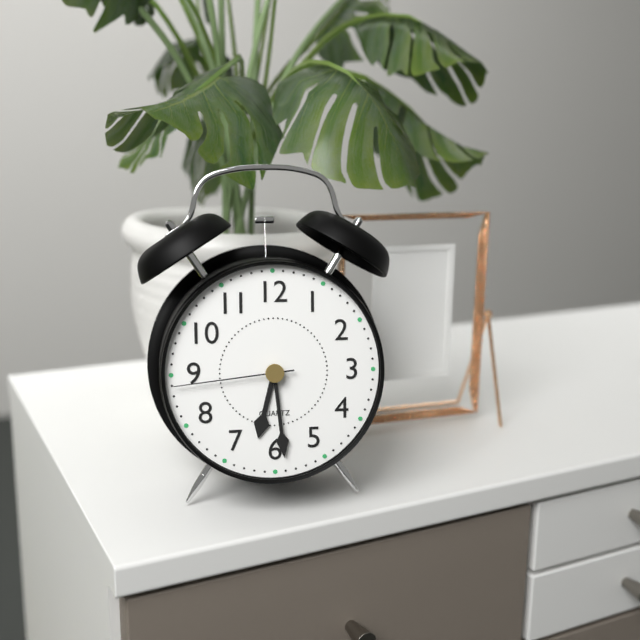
6:29:44
